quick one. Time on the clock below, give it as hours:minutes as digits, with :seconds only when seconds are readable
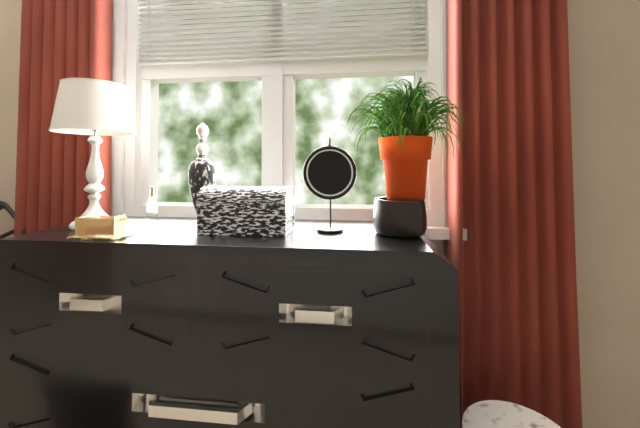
4:59
